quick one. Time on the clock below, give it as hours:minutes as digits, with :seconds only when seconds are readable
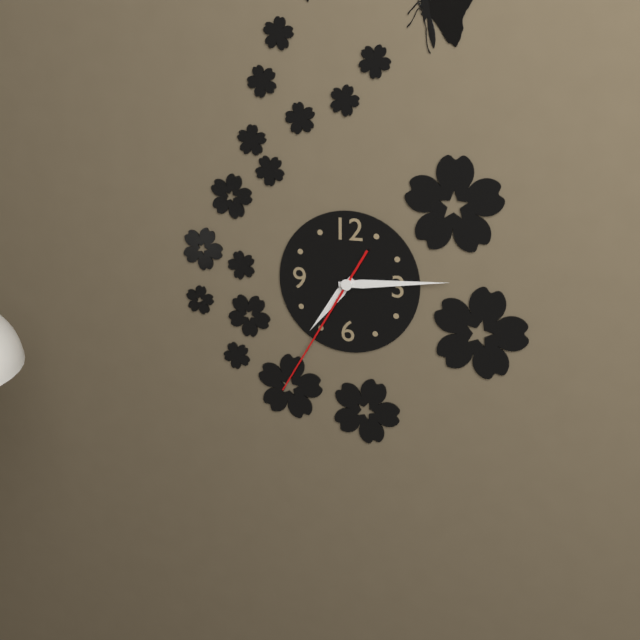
7:14:35
